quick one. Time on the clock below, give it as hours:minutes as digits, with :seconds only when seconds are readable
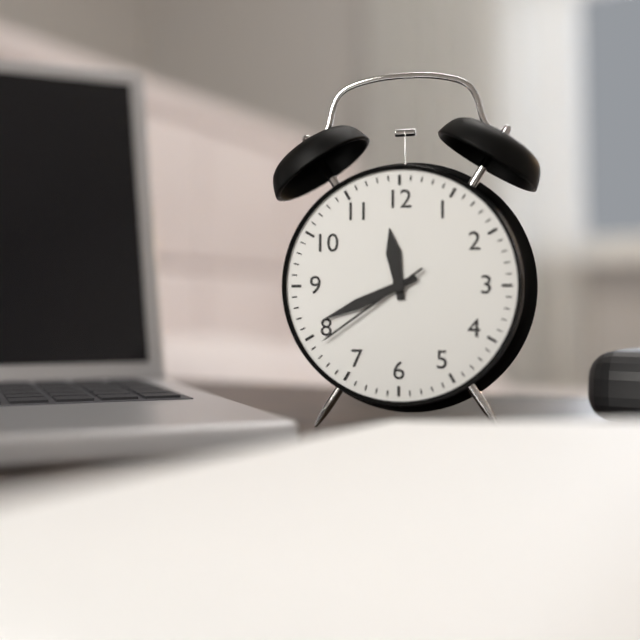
11:41:39
